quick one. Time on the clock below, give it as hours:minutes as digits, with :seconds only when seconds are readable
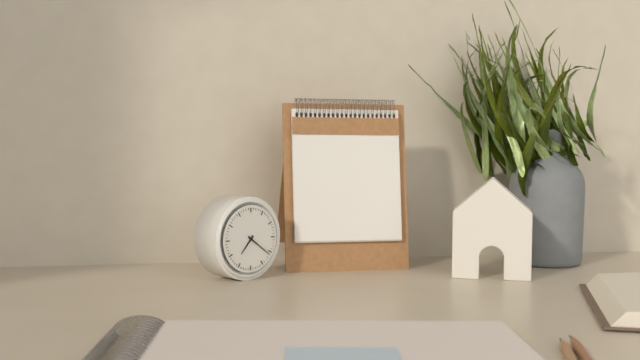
7:21
